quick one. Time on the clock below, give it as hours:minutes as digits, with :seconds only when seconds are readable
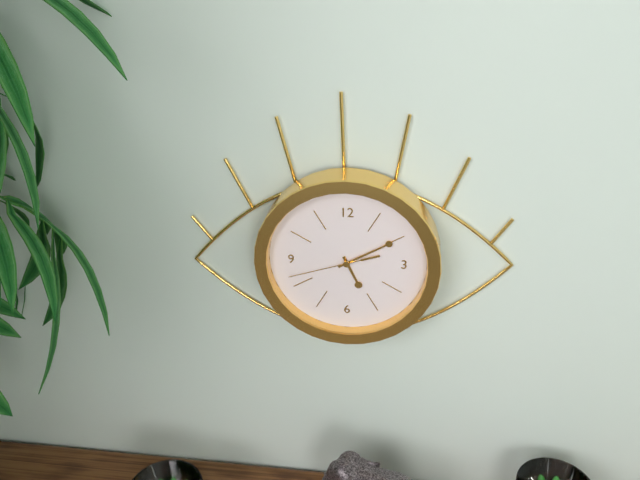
5:10:42
